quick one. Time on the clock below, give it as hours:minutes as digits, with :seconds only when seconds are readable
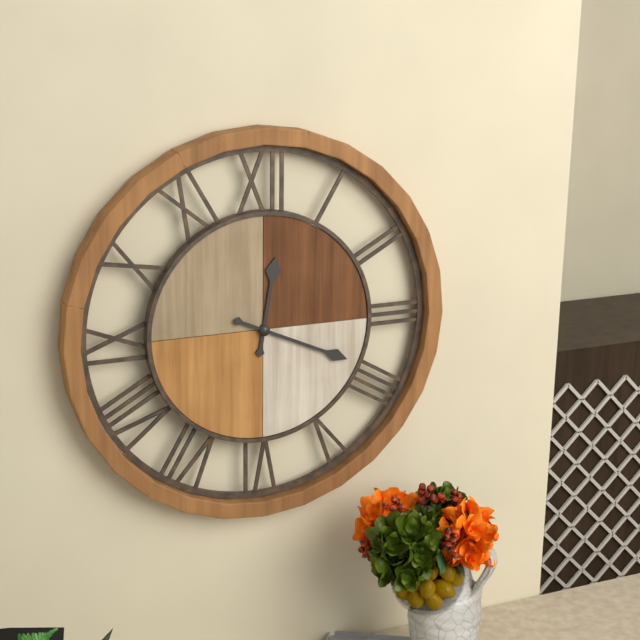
12:19
